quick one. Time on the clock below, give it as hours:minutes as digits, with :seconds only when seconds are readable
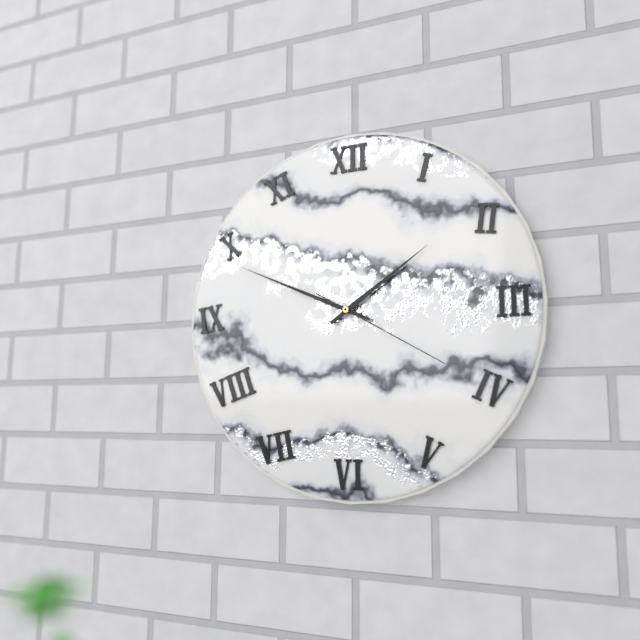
1:49:20
